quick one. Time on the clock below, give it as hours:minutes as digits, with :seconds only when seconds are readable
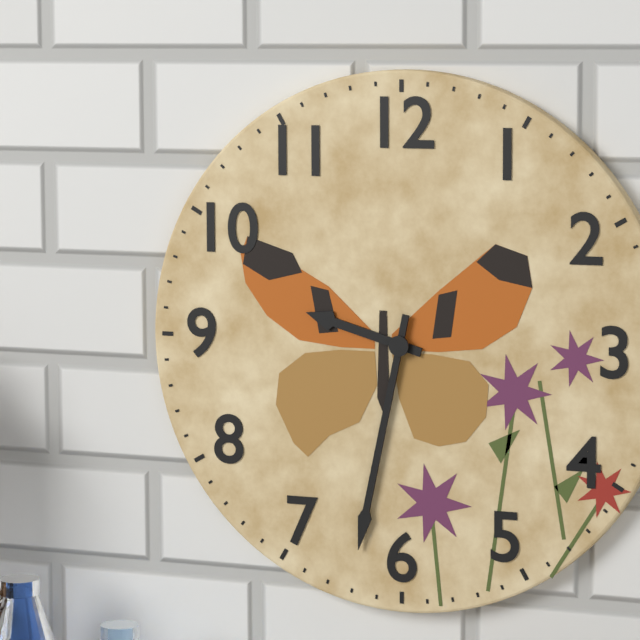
9:32
